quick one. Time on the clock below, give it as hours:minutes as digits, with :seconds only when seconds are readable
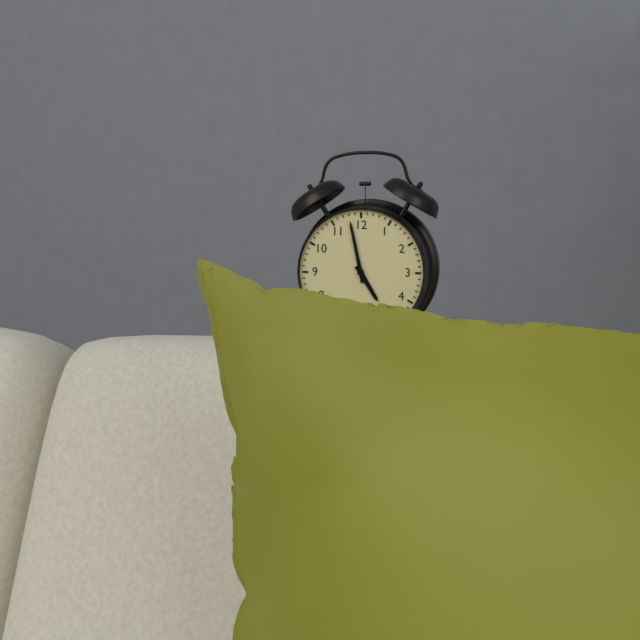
4:58
